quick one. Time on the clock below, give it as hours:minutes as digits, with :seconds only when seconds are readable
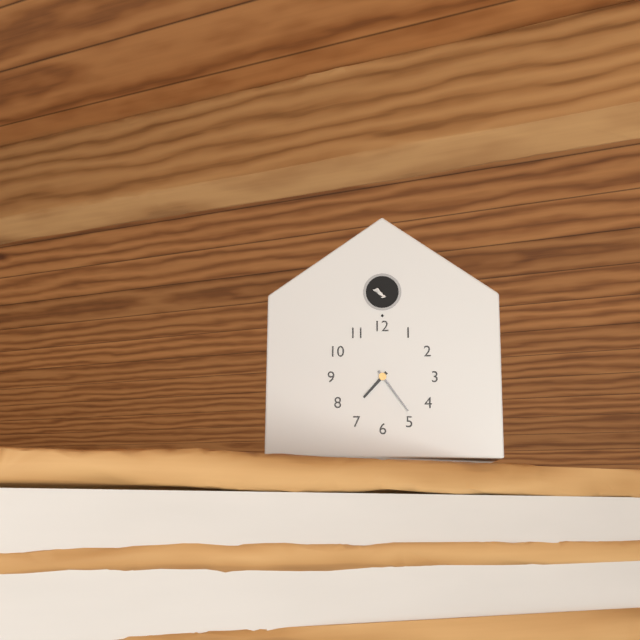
7:24
